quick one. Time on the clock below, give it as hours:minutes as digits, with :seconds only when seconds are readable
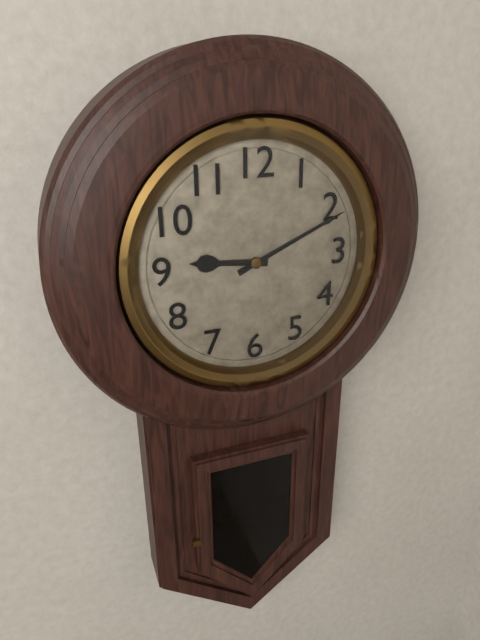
9:11
